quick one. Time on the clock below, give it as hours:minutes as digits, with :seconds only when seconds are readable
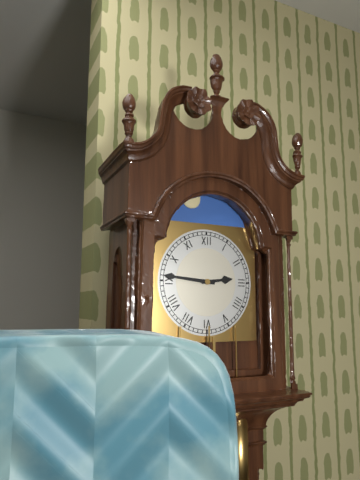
2:46
